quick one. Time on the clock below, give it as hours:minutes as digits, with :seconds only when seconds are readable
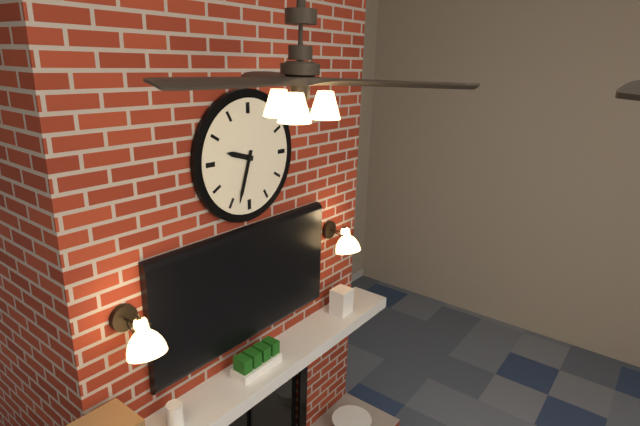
9:33
